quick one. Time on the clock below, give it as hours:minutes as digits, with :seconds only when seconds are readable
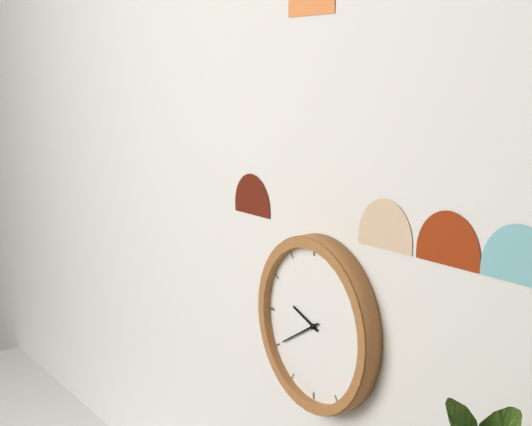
9:40
